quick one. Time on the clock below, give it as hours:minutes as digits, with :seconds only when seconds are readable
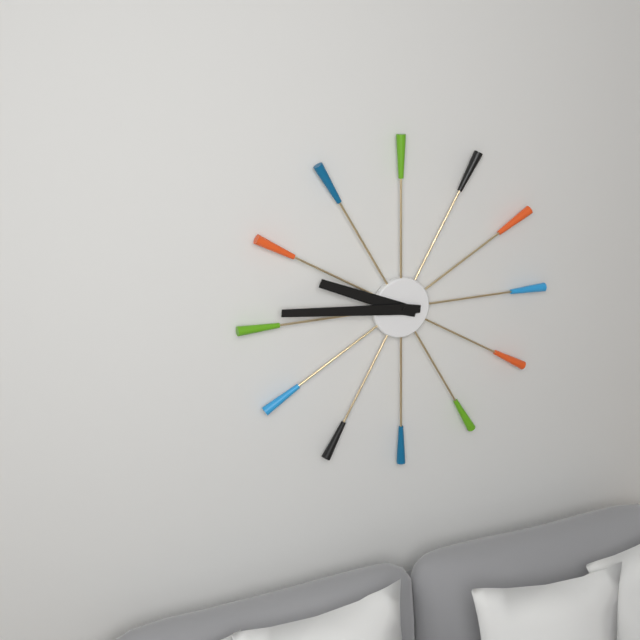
9:46
